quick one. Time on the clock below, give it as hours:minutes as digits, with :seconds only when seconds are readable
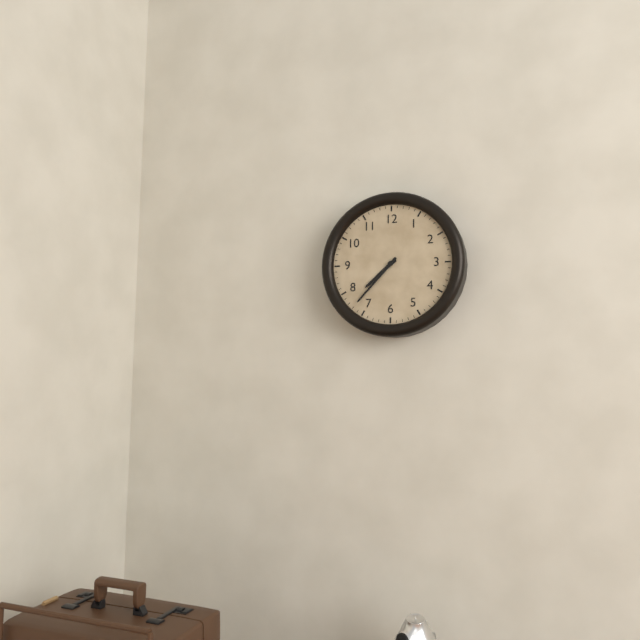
7:37
